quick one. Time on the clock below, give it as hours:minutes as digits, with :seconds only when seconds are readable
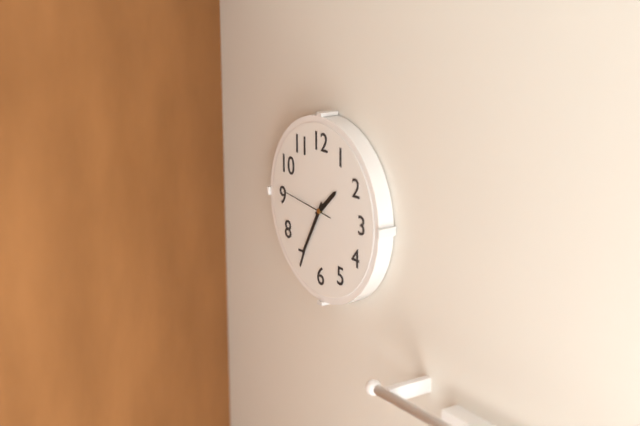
1:35:46
